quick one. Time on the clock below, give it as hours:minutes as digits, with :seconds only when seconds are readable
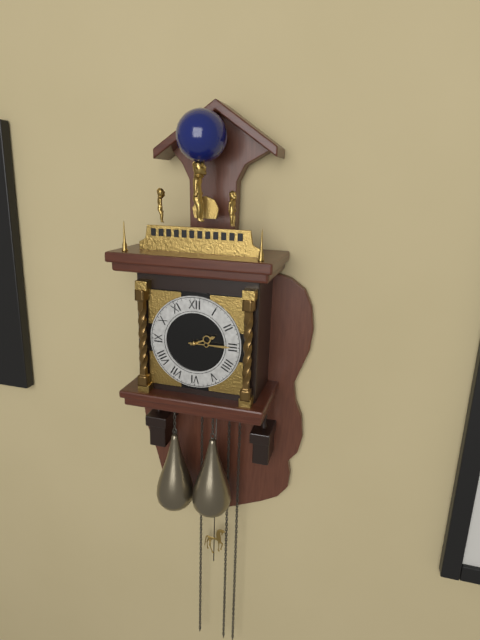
2:15
